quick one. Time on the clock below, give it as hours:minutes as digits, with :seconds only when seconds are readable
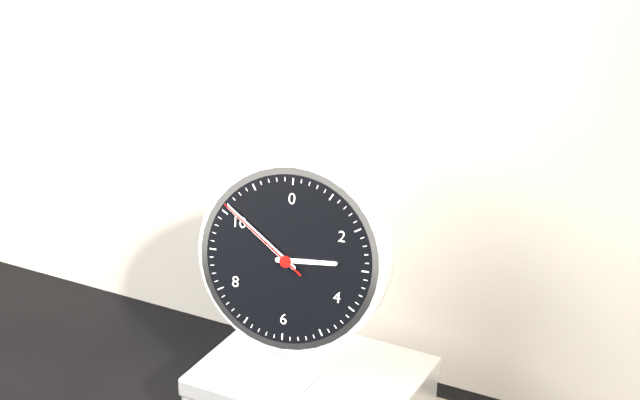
2:51:51
